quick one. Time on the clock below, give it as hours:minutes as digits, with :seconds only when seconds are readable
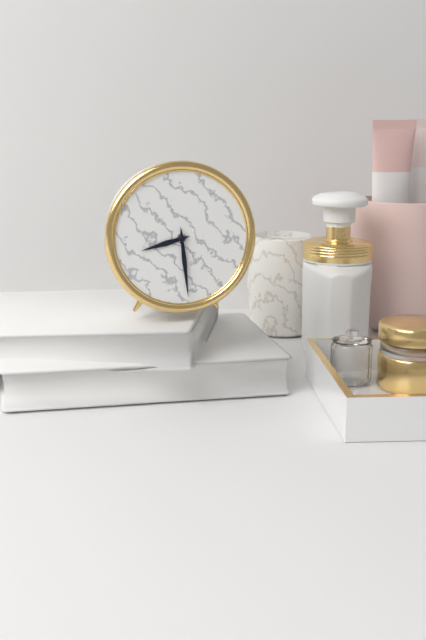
8:29
